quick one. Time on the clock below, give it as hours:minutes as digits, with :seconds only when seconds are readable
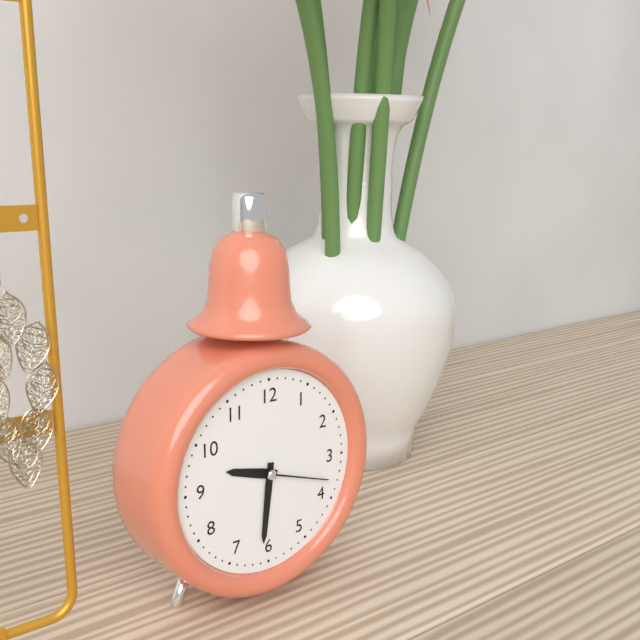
9:31:18
